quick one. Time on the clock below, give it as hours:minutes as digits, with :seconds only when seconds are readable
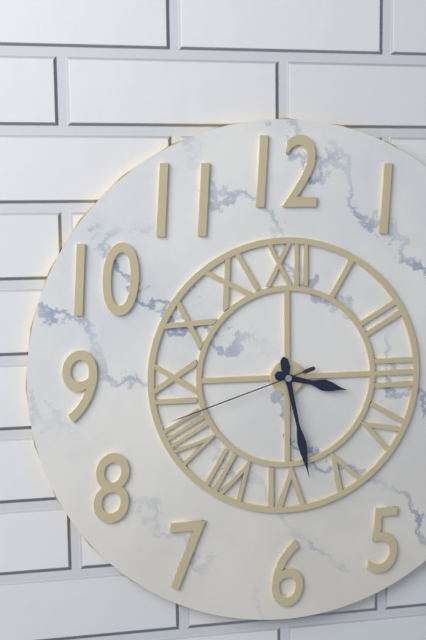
3:28:42
